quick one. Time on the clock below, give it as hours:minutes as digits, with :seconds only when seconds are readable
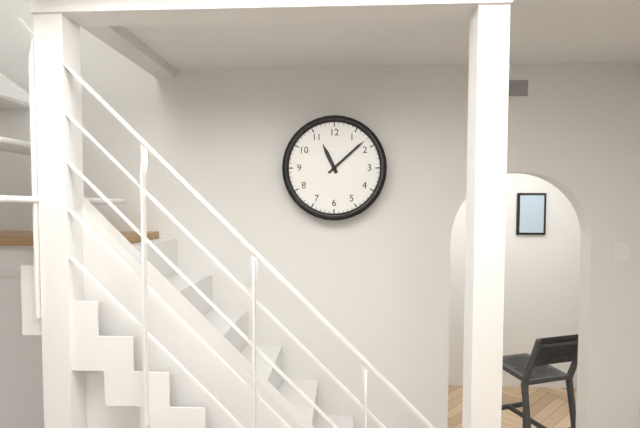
11:08
